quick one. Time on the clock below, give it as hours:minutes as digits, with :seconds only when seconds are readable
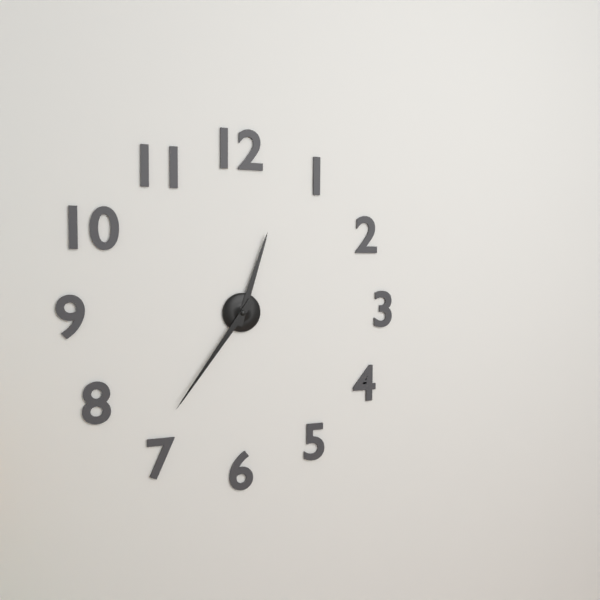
12:36
